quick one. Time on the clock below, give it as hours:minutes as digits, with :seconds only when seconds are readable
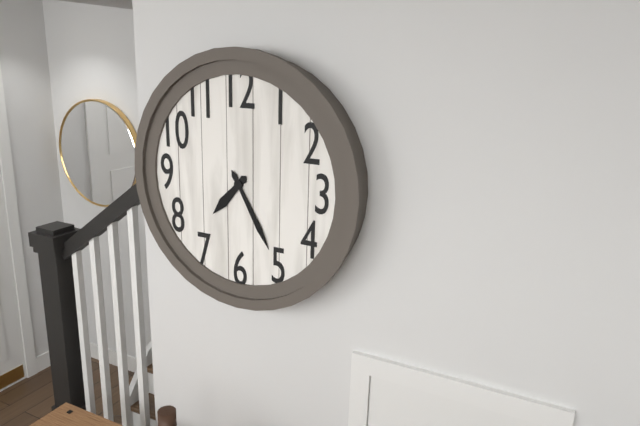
7:25
